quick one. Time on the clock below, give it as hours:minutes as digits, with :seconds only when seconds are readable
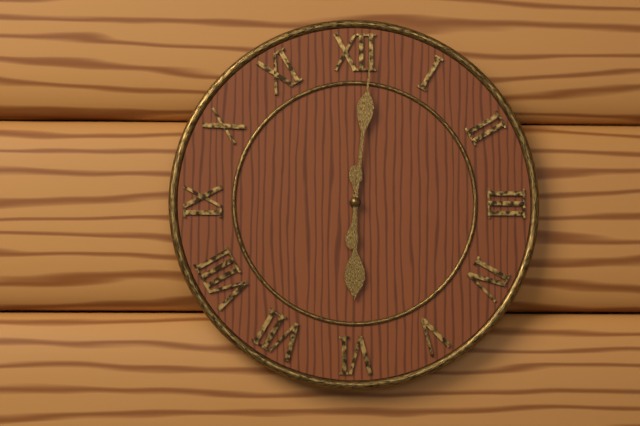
6:01
